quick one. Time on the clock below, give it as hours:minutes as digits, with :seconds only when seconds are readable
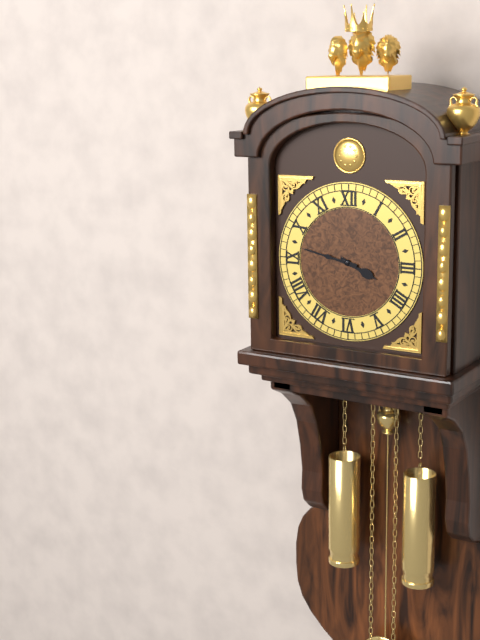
3:47
